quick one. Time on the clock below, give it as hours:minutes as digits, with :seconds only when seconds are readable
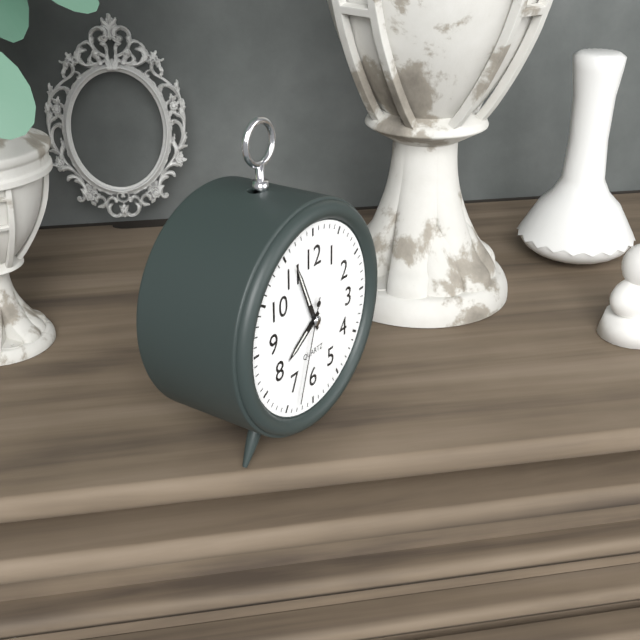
7:56:33
